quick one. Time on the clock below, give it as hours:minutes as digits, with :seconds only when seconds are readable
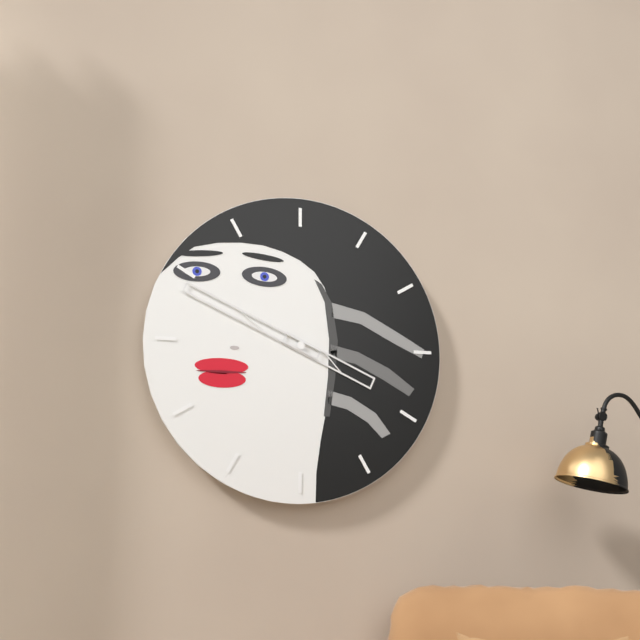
3:49
